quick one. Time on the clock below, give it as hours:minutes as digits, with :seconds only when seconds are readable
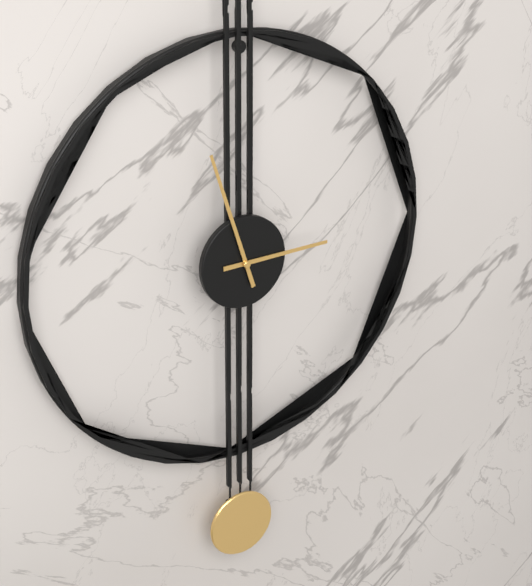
2:57
